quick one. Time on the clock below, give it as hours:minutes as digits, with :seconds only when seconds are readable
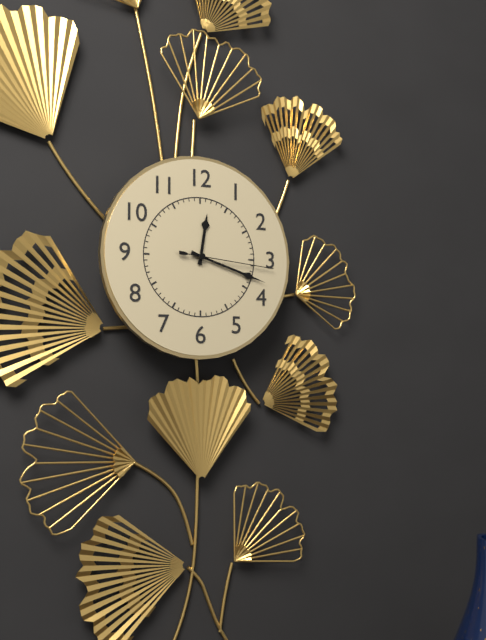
12:18:16
